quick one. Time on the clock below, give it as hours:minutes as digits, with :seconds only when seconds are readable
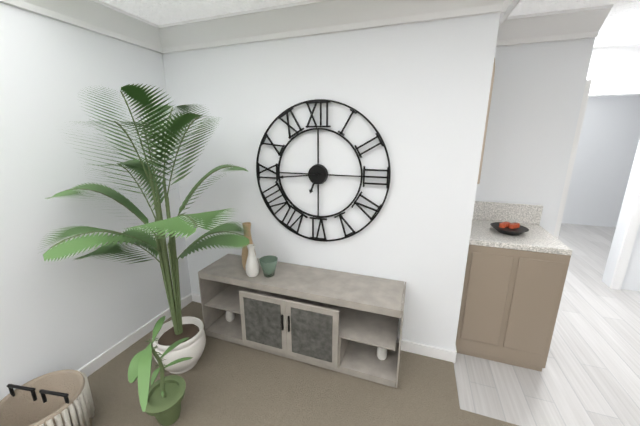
6:44
